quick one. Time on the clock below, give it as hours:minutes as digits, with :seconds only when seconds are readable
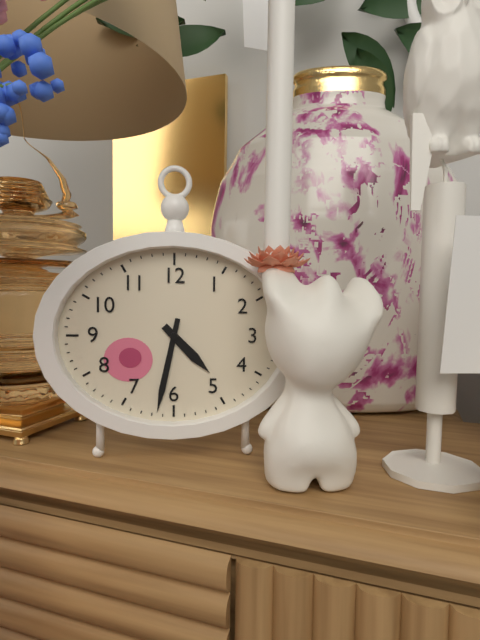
4:32
